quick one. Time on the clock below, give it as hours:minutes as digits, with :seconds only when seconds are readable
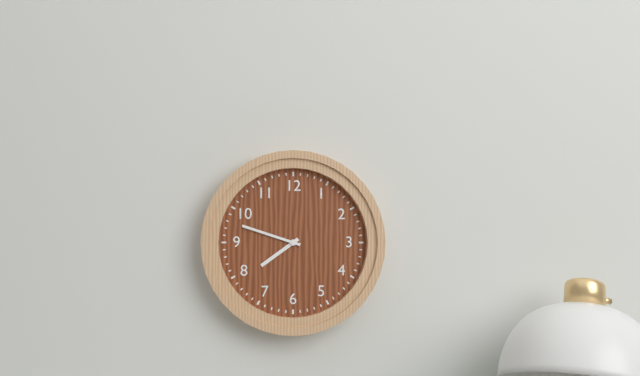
7:48
